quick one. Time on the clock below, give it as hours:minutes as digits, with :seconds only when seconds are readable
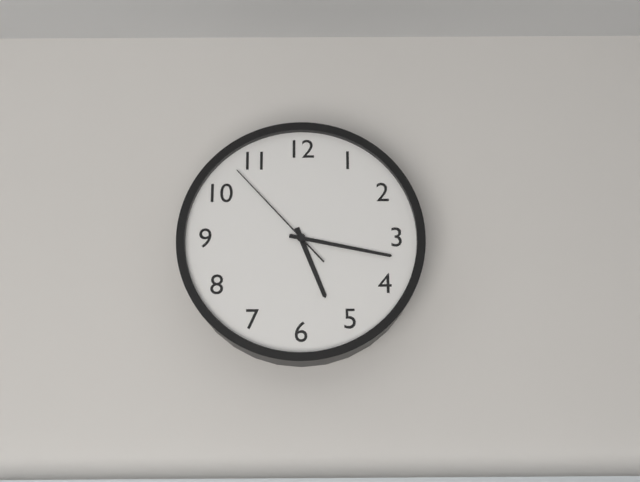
5:17:53
